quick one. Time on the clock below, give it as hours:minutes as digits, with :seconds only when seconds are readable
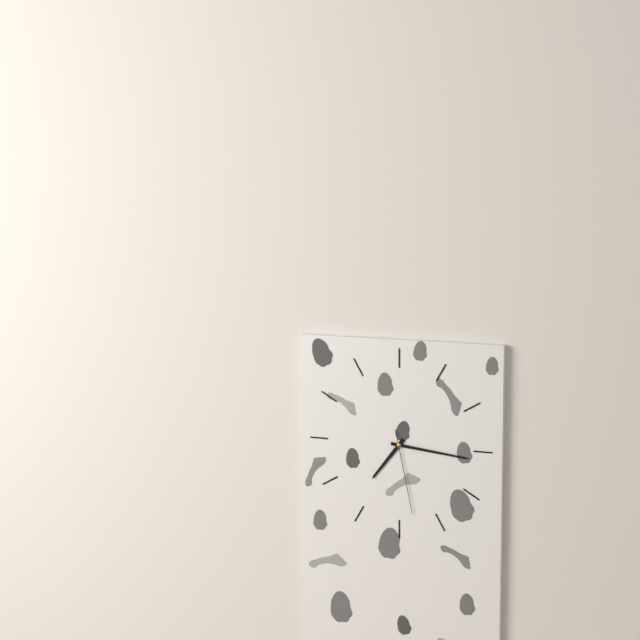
7:16:28
